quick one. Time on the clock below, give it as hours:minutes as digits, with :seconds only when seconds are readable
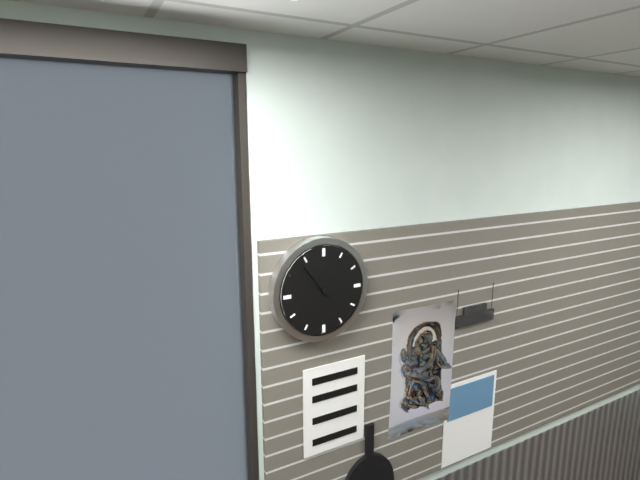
10:54
